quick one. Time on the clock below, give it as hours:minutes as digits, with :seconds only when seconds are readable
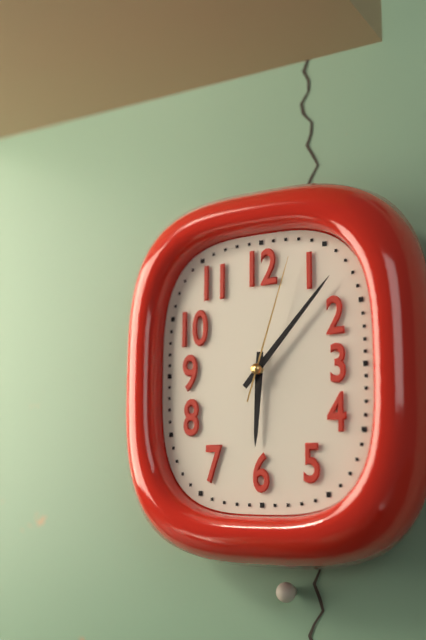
6:07:03
